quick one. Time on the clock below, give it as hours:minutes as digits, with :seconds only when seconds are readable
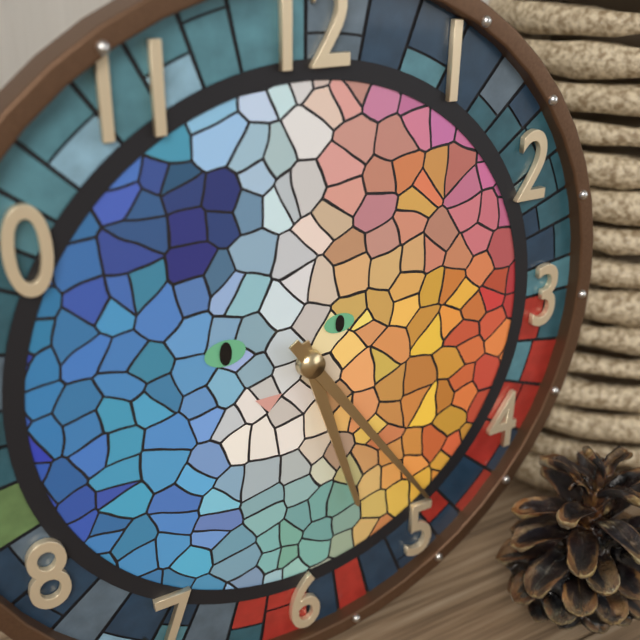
5:24
